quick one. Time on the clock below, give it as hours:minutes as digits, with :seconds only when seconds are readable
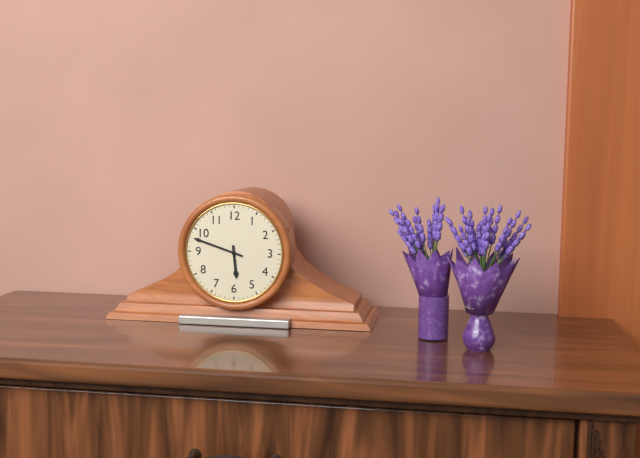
5:48
